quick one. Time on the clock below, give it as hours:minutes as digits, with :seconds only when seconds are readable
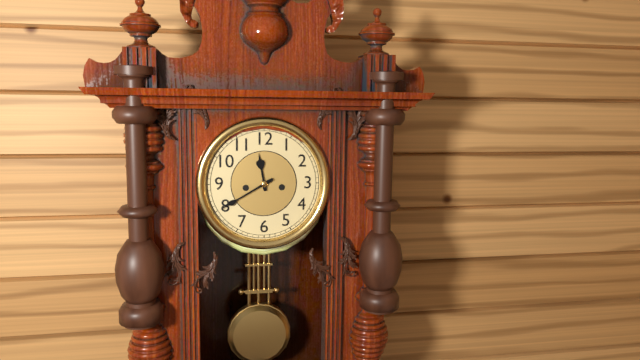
11:40
